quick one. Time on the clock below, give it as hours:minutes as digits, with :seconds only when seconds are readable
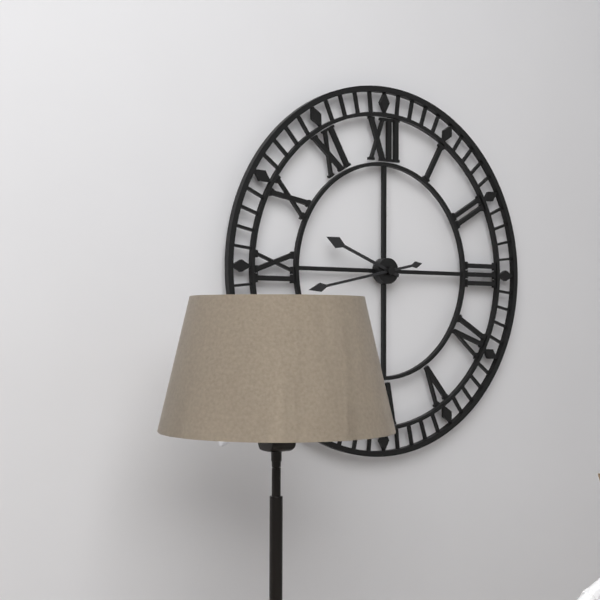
9:43
